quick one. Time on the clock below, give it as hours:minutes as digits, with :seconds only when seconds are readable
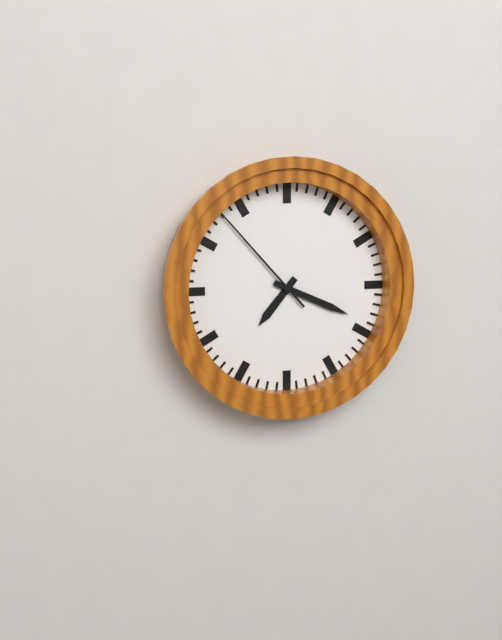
7:19:53
